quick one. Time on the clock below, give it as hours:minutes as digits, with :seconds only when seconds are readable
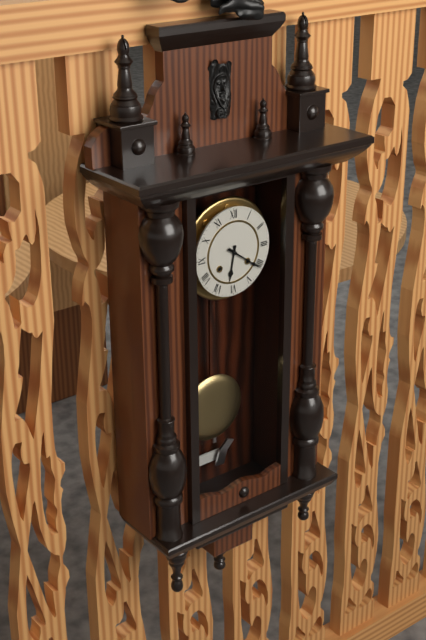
6:21
